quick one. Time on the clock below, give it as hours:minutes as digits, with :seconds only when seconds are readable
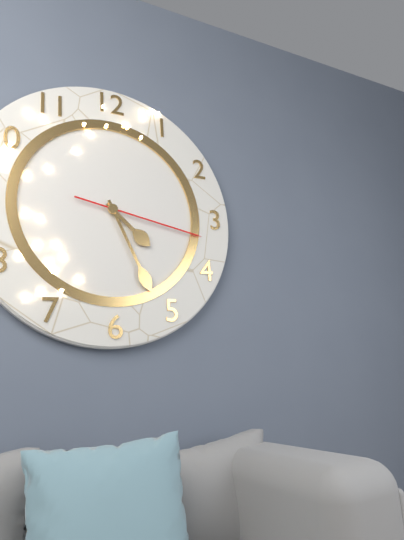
4:26:17
